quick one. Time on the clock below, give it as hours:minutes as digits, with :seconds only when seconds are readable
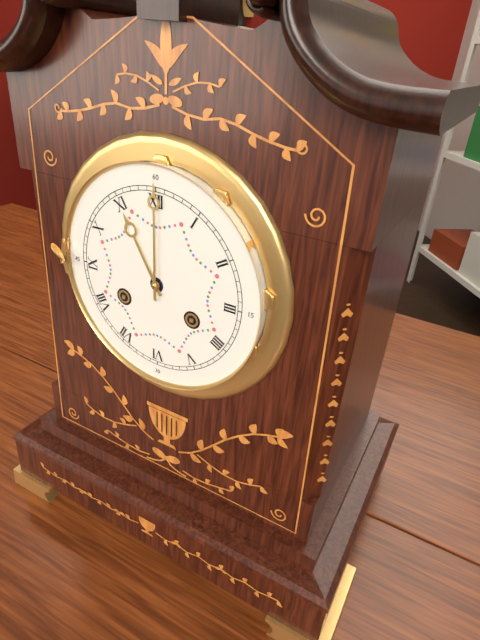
11:00
